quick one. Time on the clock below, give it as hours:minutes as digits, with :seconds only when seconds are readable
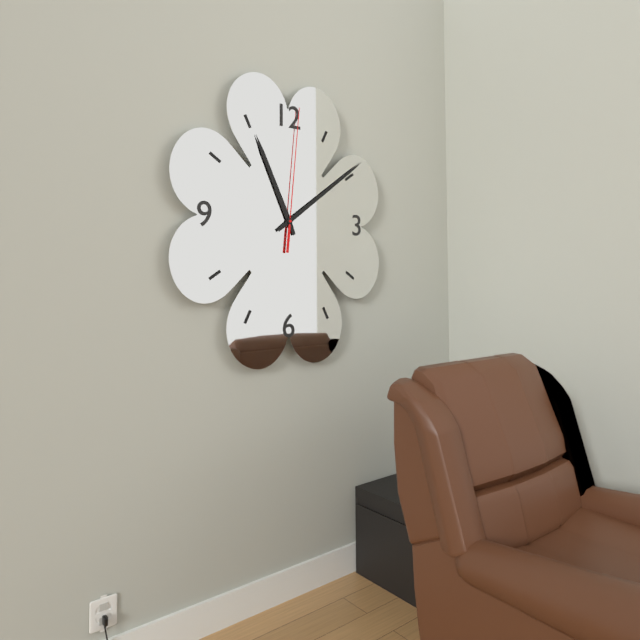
11:09:01
